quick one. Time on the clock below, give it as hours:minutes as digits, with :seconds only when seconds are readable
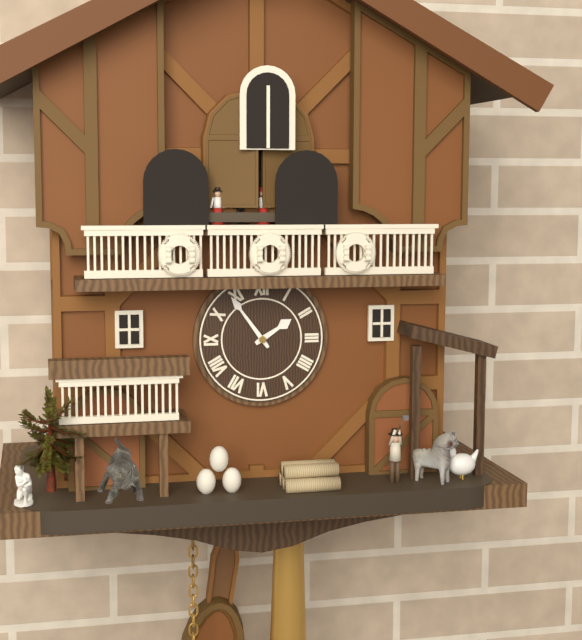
1:54
